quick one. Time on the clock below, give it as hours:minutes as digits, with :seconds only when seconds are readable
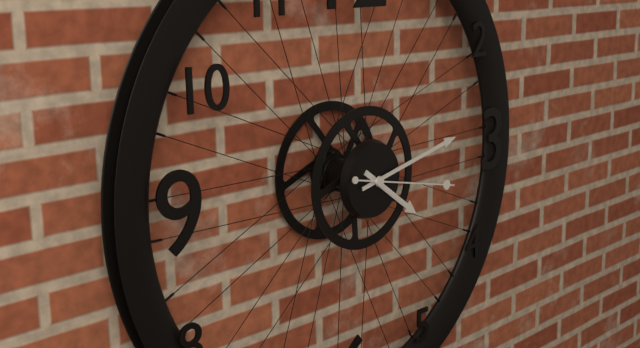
4:13:17
